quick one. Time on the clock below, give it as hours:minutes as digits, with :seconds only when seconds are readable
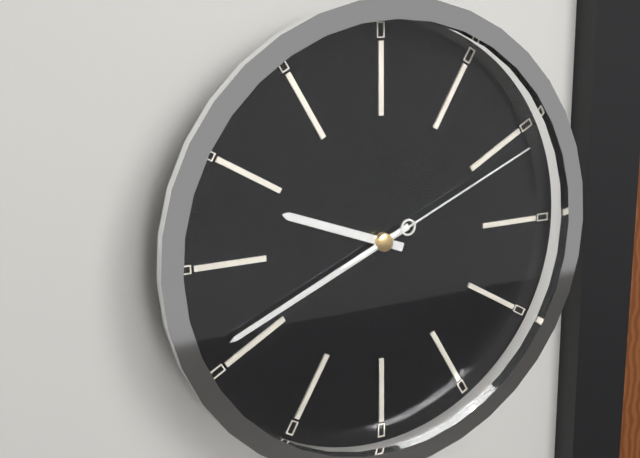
9:41:11
